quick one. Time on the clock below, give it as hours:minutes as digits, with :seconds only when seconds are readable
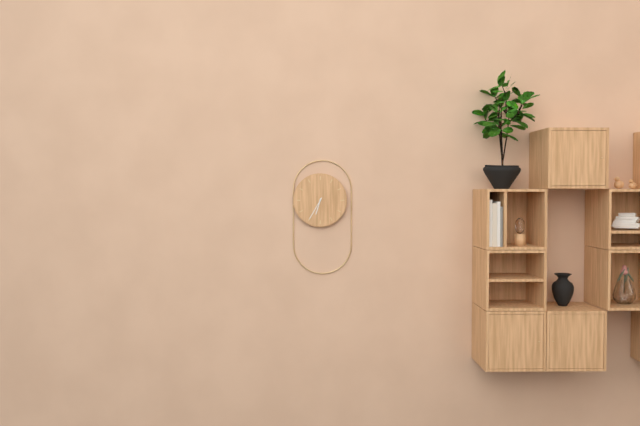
6:35
